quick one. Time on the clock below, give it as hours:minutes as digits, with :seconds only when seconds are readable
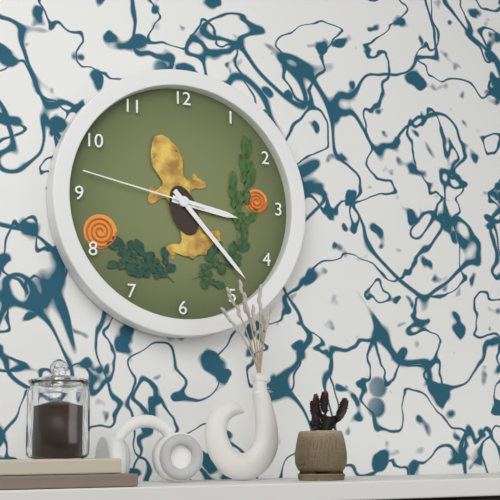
3:23:47
